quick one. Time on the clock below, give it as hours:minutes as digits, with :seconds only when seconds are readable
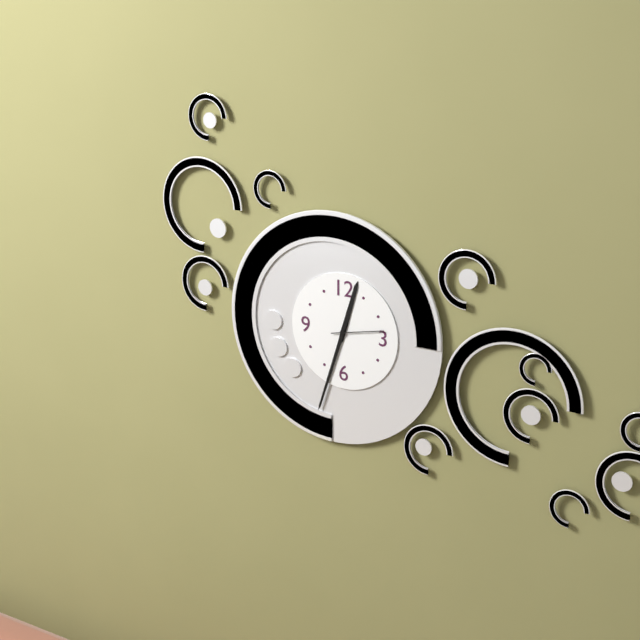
12:33
